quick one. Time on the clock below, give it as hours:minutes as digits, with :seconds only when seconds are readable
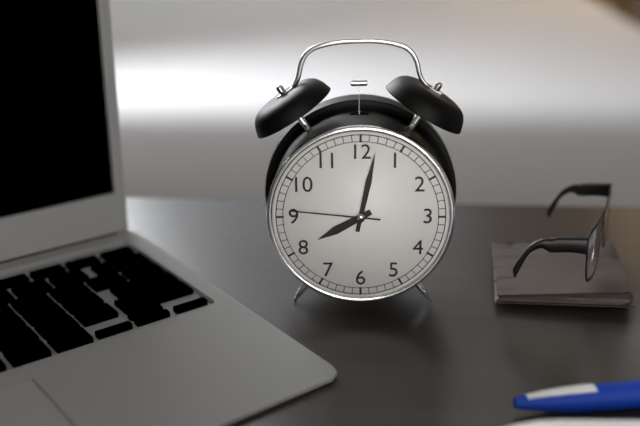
8:02:46
